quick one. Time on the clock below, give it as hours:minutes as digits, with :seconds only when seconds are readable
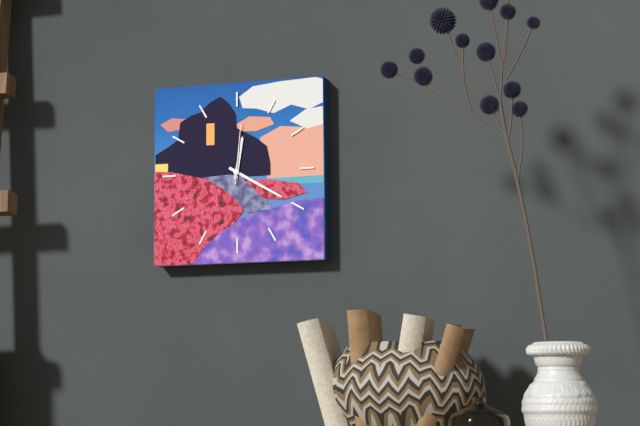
12:20:01
